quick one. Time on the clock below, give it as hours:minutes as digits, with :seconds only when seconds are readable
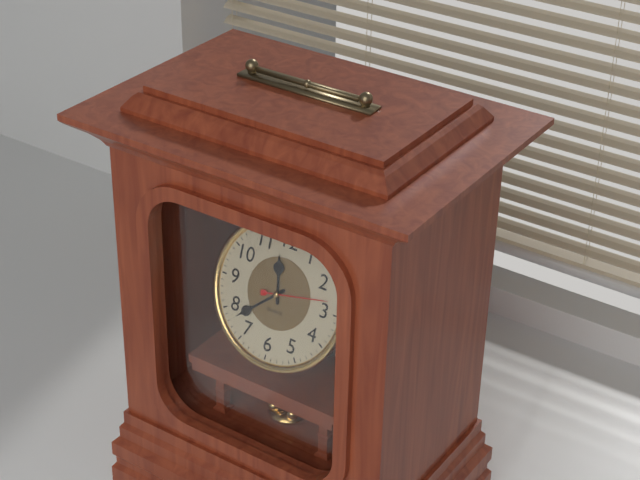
11:38:13
